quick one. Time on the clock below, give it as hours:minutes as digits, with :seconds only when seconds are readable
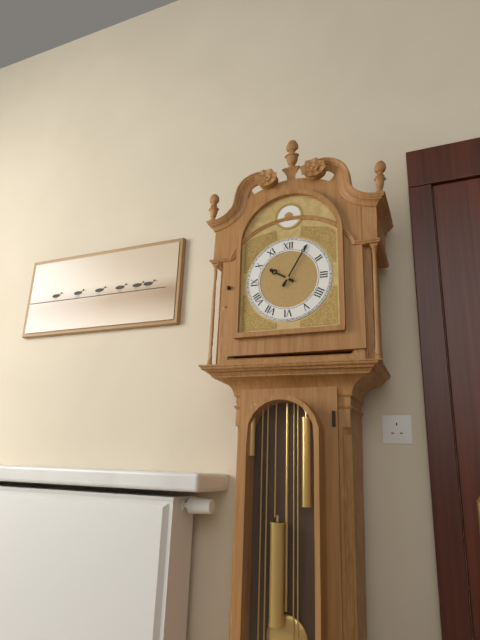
10:05
